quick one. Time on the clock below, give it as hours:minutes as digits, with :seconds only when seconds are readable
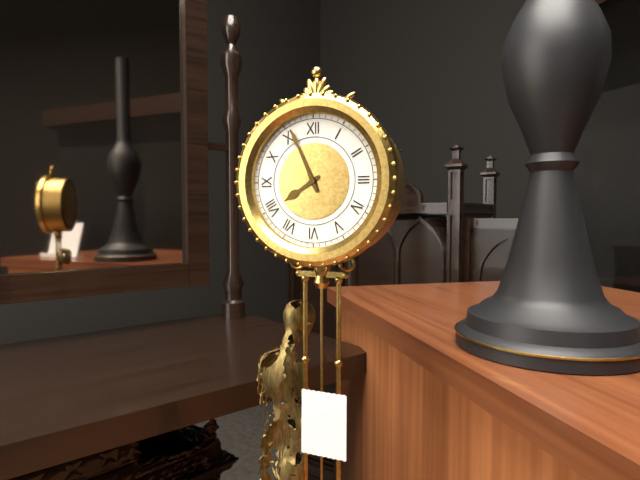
7:56
